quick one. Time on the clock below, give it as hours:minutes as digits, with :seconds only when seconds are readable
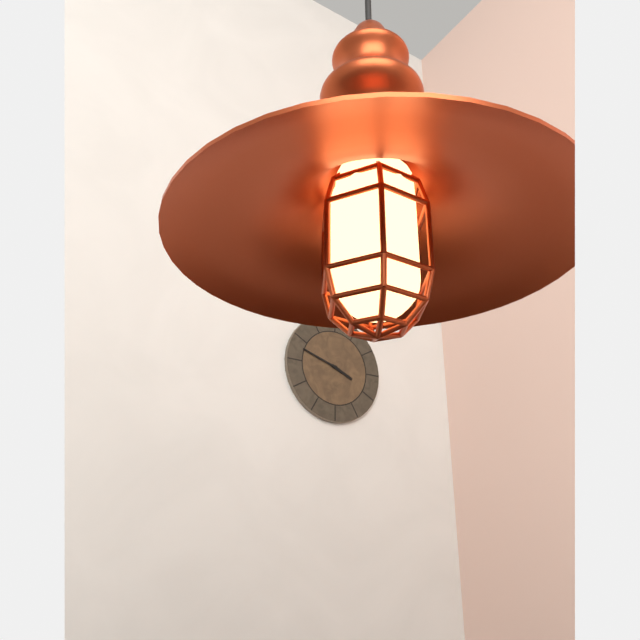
3:48
